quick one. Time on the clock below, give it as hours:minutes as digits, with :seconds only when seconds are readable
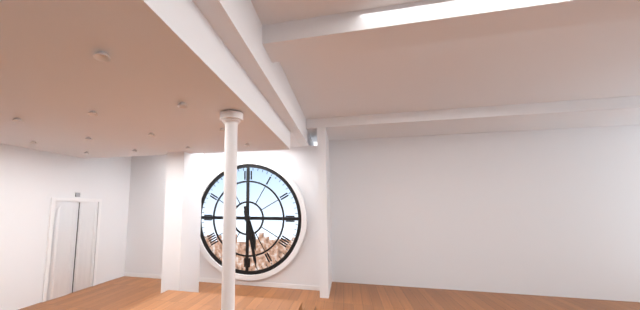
5:28
